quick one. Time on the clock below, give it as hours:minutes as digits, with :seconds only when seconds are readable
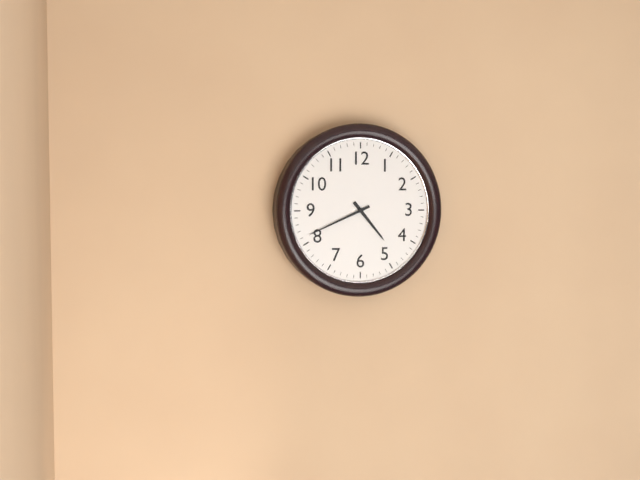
4:41
